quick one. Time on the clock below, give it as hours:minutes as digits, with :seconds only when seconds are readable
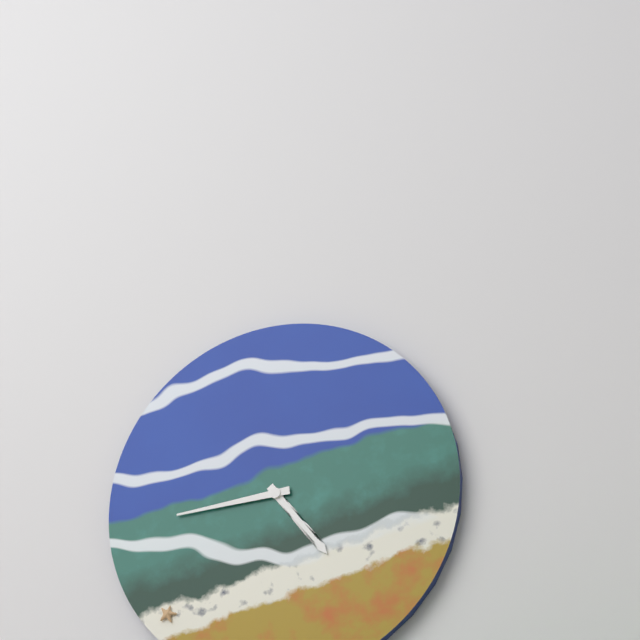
4:44
